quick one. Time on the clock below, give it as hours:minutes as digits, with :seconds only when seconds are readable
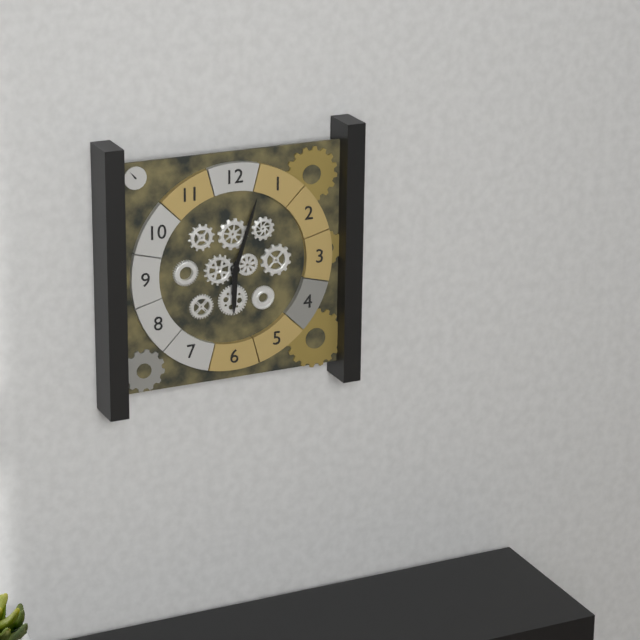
6:03
